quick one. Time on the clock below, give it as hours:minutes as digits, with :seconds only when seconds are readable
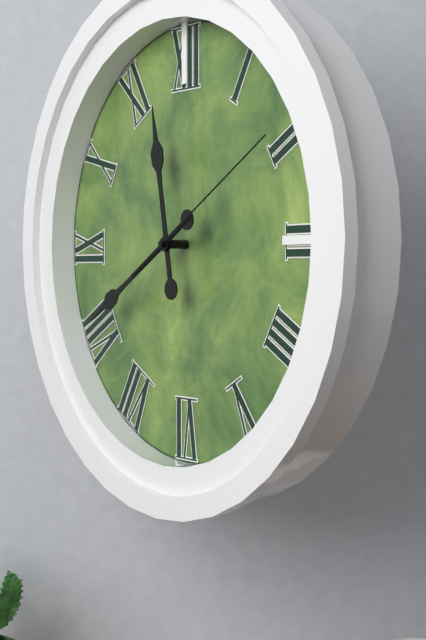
11:40:10
